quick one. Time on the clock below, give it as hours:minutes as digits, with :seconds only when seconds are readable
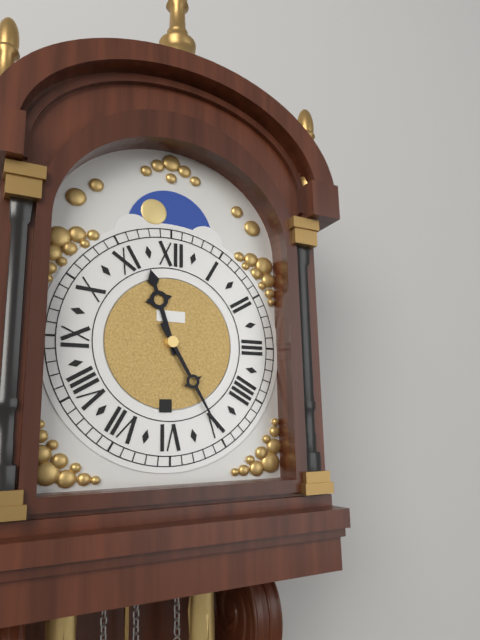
11:25
